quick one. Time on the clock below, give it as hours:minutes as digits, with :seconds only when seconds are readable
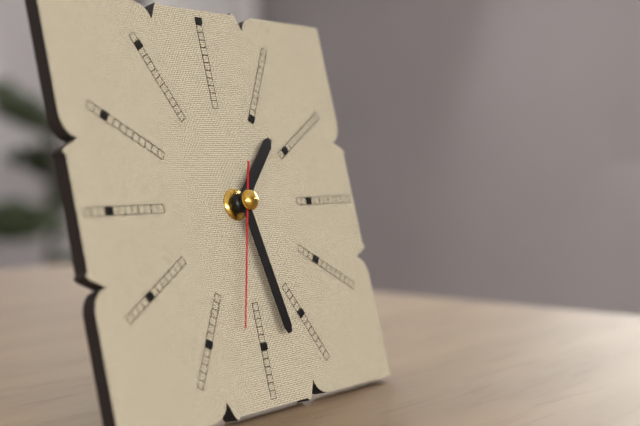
1:28:33
